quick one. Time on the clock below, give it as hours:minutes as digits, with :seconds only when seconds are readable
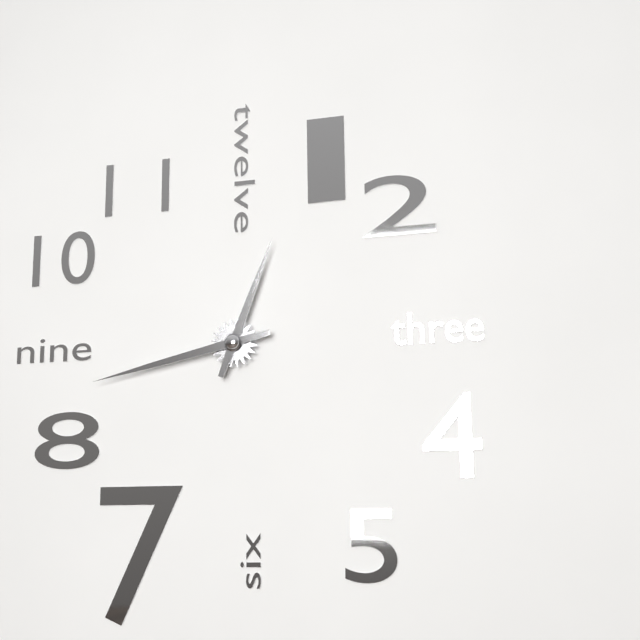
12:43
